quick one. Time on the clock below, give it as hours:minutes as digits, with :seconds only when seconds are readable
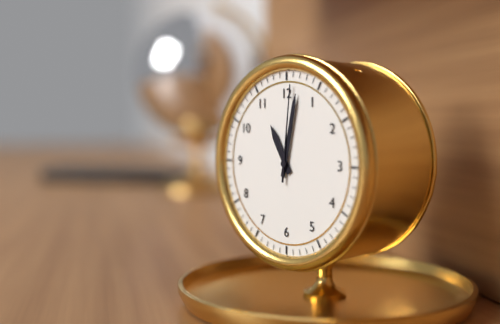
11:02:01
